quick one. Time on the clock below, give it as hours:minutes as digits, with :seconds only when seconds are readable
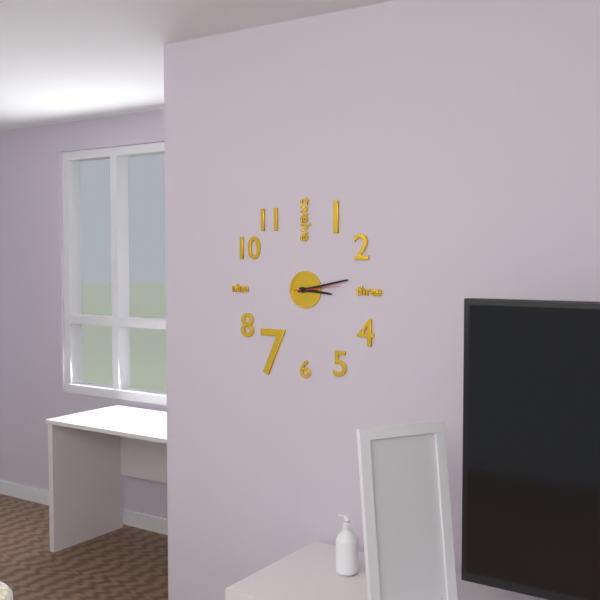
3:13
